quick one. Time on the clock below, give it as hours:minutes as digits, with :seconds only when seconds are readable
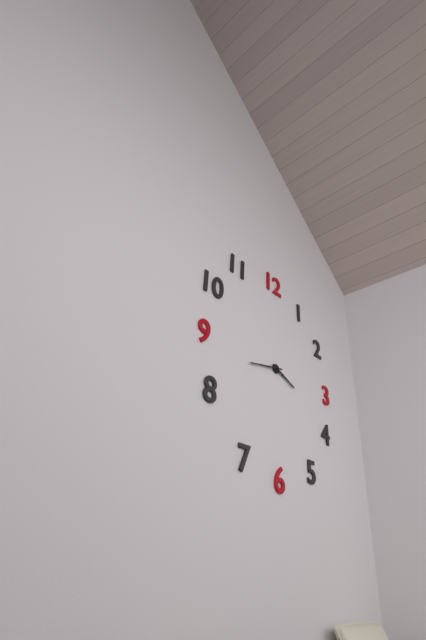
3:43
